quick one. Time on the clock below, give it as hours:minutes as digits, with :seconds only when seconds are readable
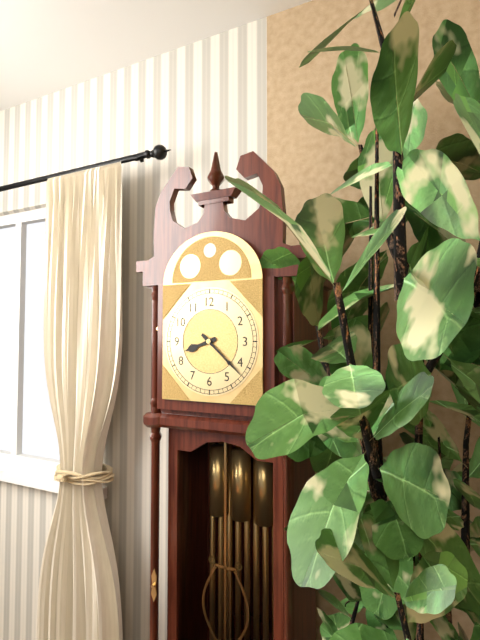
8:22
